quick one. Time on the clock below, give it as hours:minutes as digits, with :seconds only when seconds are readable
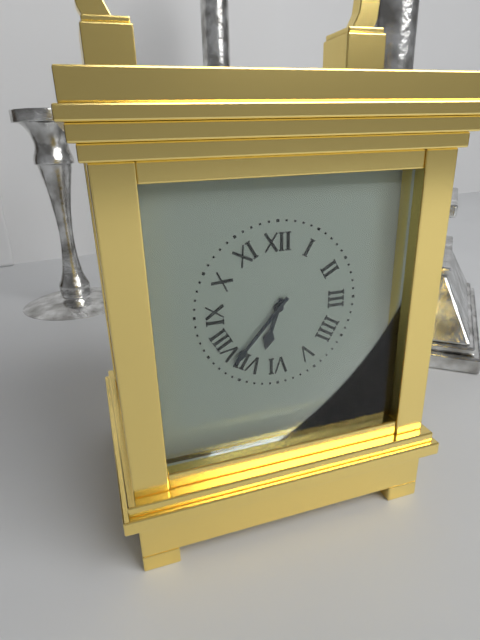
6:37
